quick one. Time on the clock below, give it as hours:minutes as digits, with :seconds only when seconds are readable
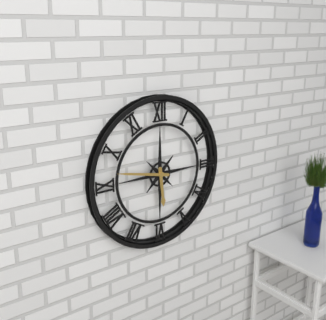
5:47
